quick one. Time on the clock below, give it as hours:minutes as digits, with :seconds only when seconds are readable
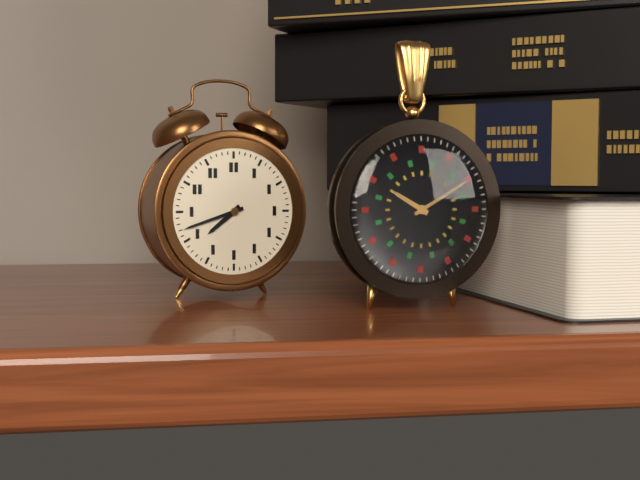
7:42
